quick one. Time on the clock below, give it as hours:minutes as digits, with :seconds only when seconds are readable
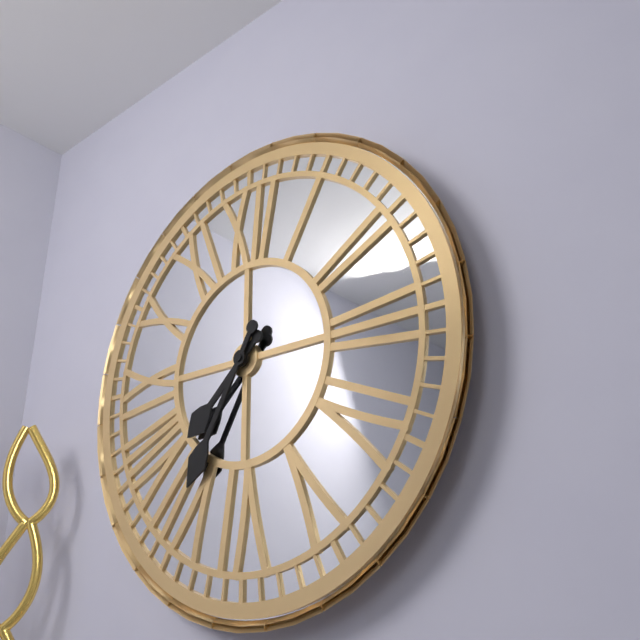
7:35
